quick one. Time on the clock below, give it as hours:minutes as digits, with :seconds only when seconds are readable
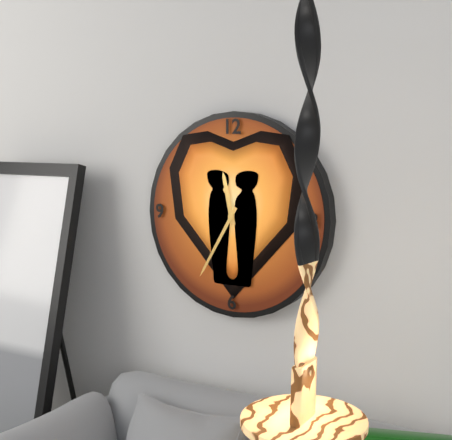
11:35
